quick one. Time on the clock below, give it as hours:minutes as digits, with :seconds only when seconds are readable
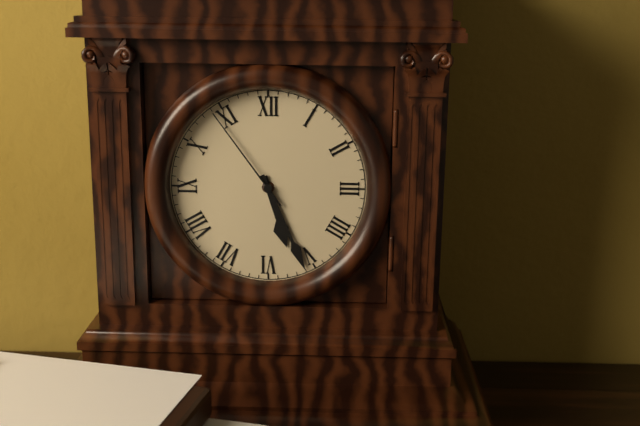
5:26:54
